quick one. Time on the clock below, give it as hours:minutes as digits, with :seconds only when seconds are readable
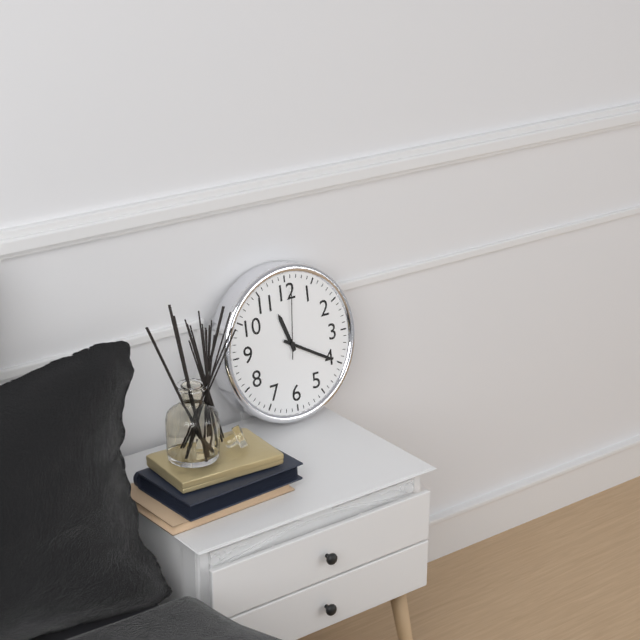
11:20:01
